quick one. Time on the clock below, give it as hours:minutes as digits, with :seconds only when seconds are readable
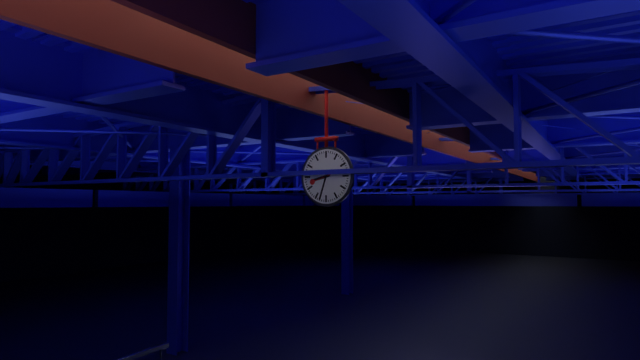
8:33
